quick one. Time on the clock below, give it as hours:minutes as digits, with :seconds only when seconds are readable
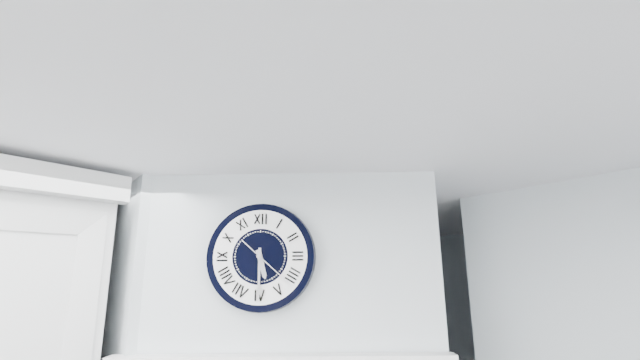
5:30:22
